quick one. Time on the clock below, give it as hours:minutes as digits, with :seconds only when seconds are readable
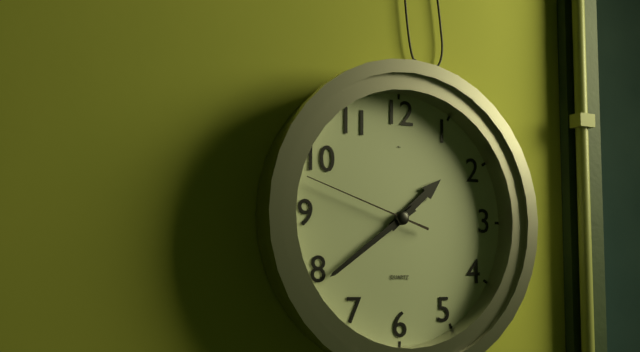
1:39:48
